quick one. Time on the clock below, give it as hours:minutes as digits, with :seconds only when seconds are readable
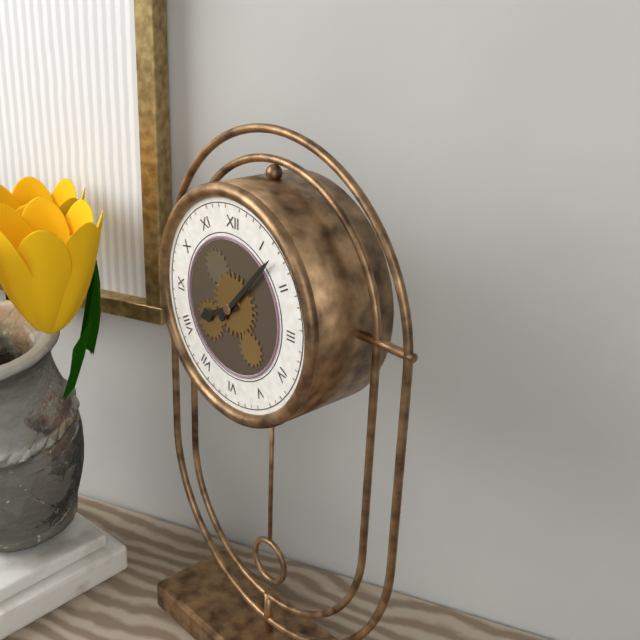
8:07
